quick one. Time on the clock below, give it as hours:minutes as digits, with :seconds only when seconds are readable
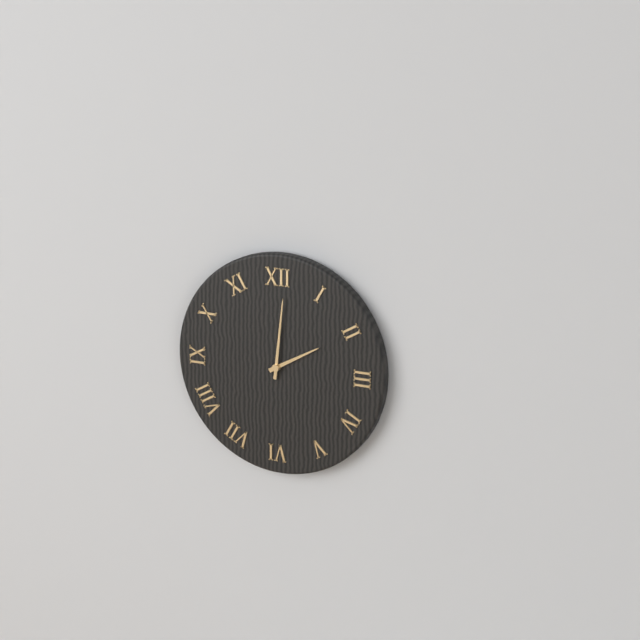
2:01
